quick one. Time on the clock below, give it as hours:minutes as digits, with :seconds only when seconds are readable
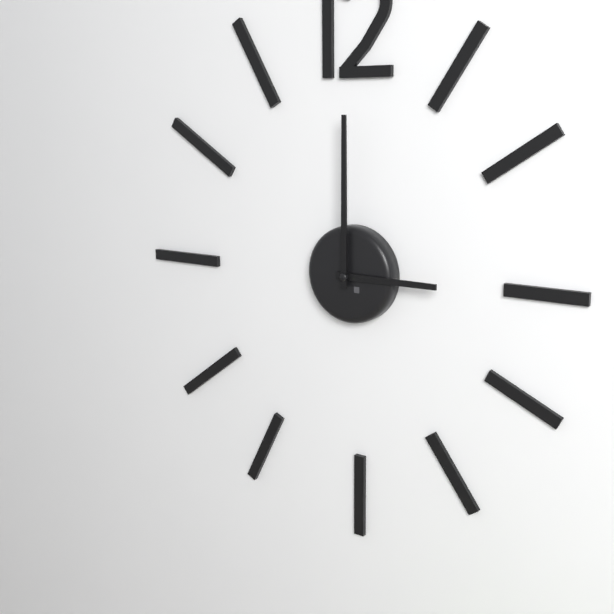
3:00
